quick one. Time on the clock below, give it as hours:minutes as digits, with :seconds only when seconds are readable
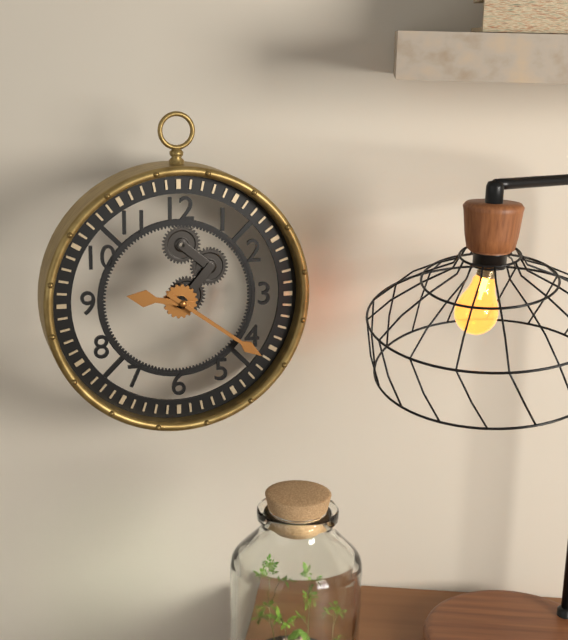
9:21
